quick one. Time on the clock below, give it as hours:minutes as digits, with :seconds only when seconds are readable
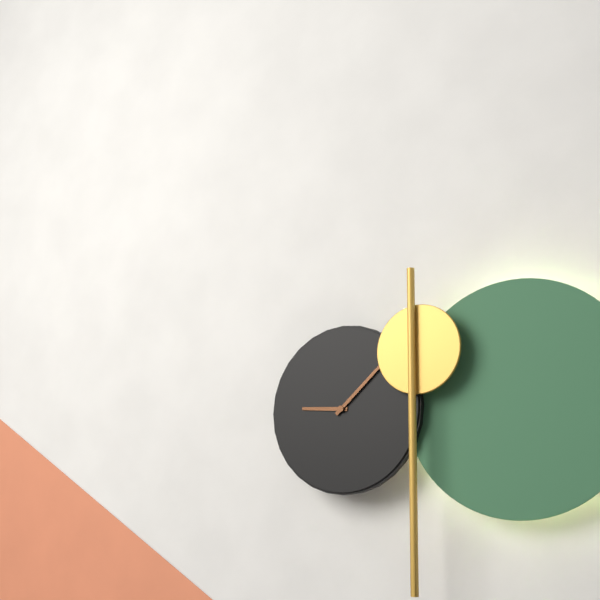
9:08
